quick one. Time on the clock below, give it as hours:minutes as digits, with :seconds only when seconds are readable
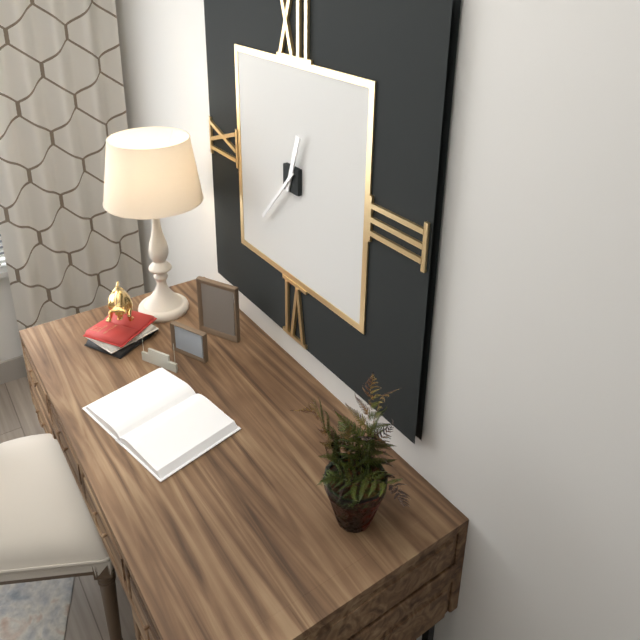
12:37
